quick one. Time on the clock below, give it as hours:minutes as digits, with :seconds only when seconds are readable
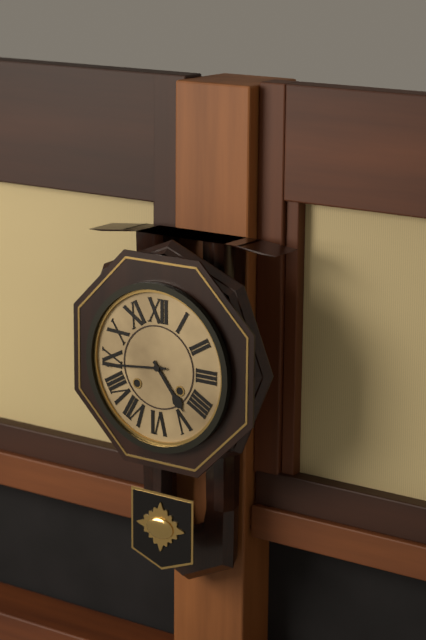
4:44
